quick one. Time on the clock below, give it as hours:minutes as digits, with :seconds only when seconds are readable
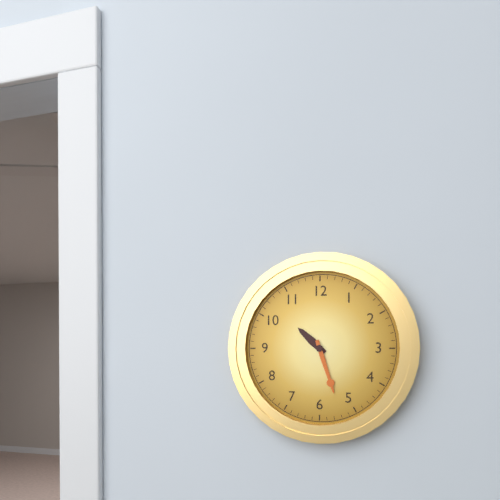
10:27
